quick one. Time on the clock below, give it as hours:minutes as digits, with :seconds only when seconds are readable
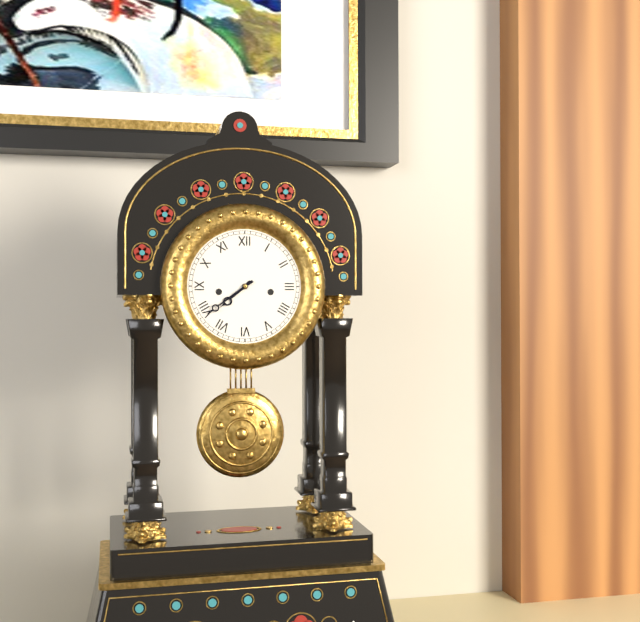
7:39
